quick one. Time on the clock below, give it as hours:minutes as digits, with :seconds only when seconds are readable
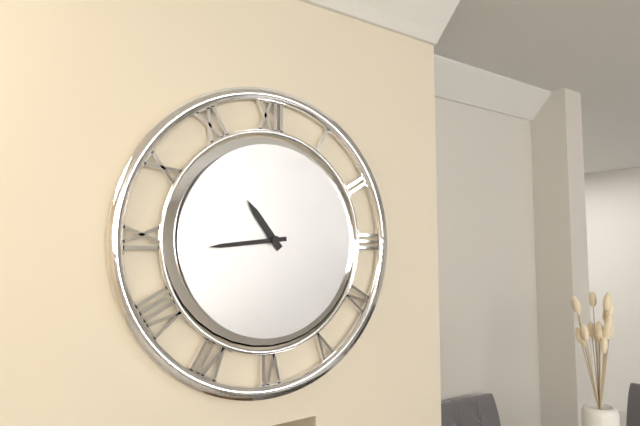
10:44
